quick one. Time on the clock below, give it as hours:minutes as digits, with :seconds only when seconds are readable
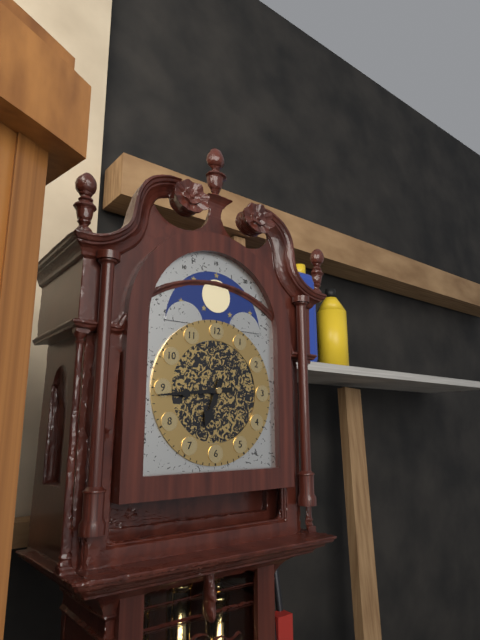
6:44
